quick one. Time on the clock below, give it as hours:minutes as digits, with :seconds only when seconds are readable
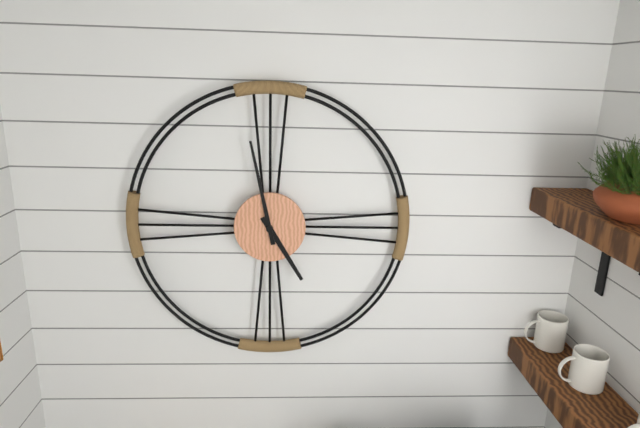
4:58
